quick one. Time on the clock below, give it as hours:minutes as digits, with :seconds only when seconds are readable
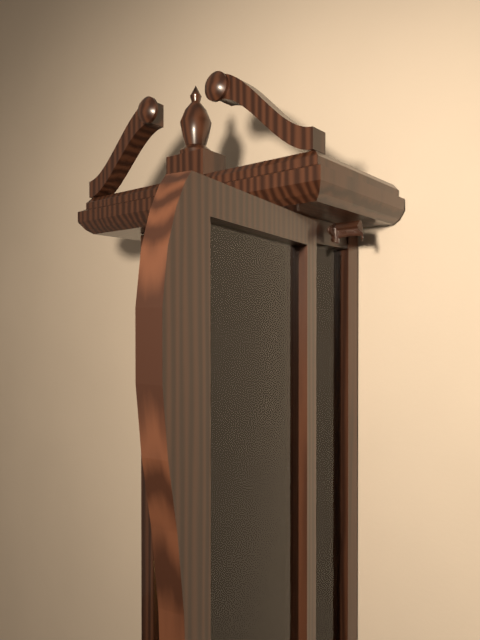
11:00
